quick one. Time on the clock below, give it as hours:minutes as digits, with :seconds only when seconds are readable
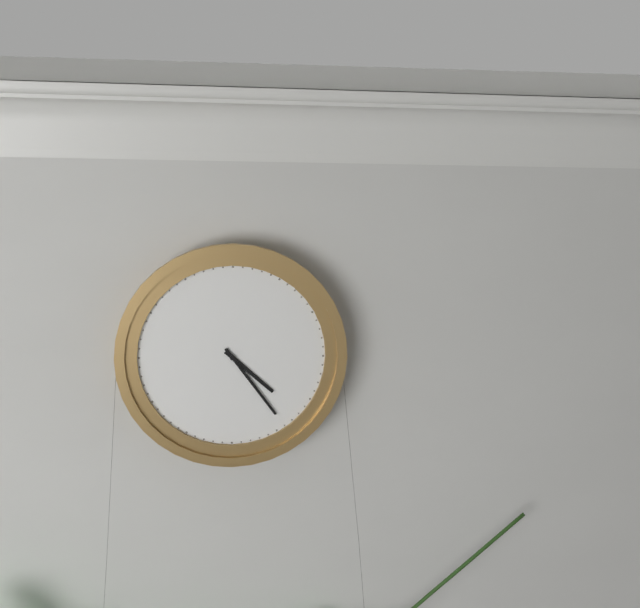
4:24
